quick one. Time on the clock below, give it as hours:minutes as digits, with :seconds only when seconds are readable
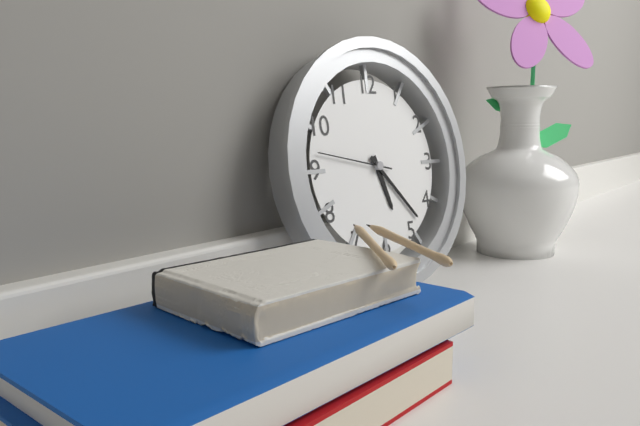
5:23:47
